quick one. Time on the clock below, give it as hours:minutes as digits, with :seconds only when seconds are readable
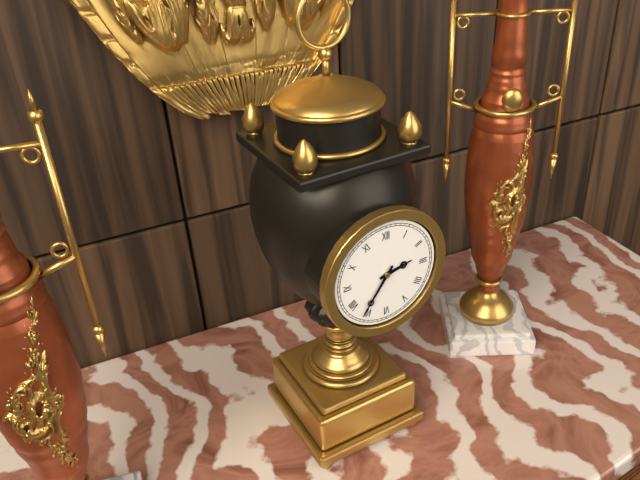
2:36
